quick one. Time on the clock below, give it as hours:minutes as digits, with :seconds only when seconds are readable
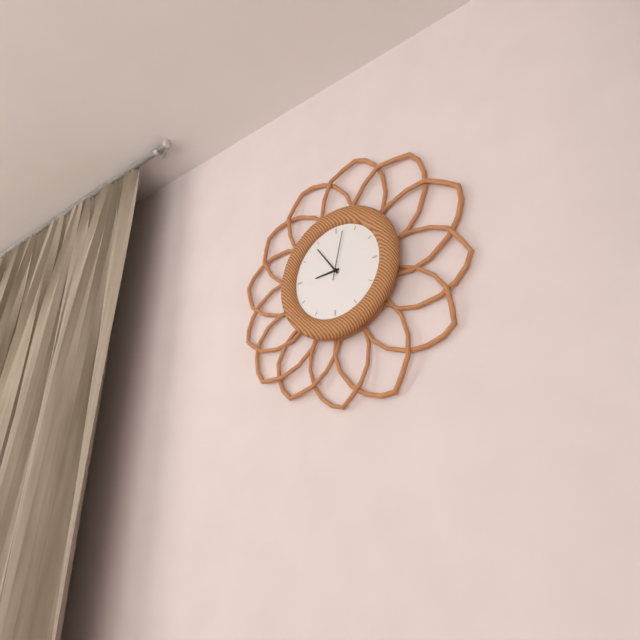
8:54:02
